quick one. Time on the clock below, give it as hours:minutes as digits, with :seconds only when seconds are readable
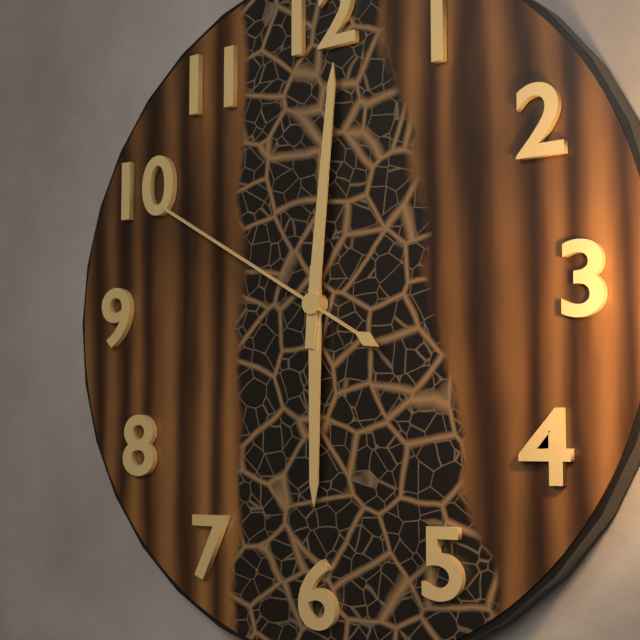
6:01:50
